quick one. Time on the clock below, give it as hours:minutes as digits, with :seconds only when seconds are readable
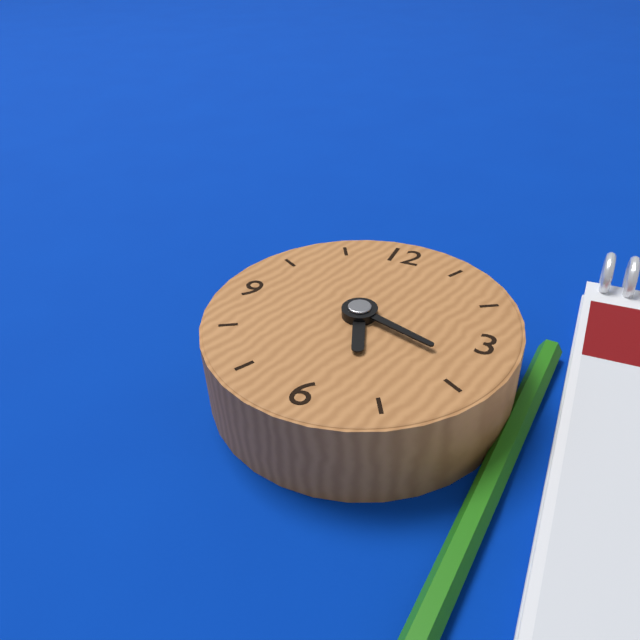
5:18
